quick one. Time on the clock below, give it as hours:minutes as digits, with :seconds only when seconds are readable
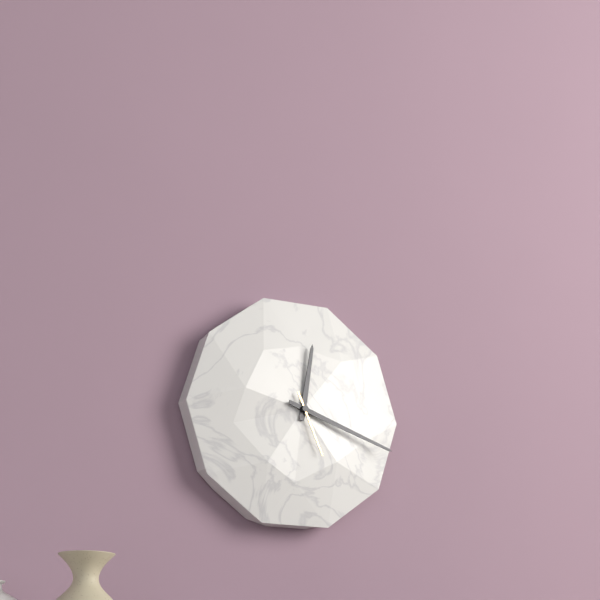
12:18:26
